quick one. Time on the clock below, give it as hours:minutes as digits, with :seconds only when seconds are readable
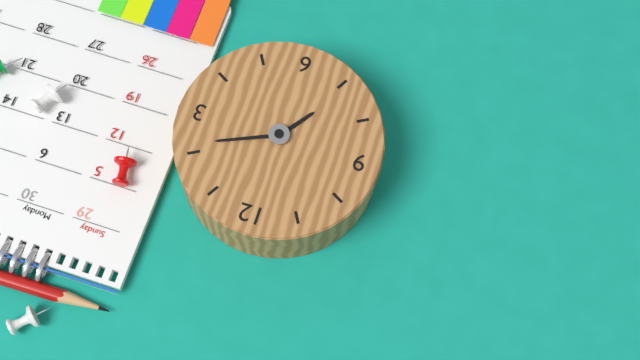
7:11
